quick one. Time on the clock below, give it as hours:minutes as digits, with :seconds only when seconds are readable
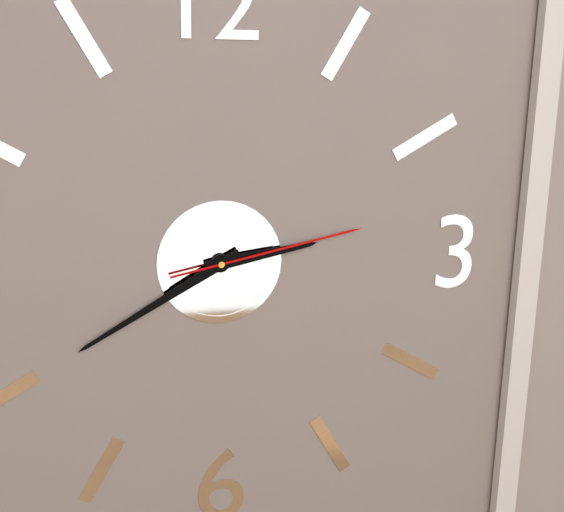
2:40:13
